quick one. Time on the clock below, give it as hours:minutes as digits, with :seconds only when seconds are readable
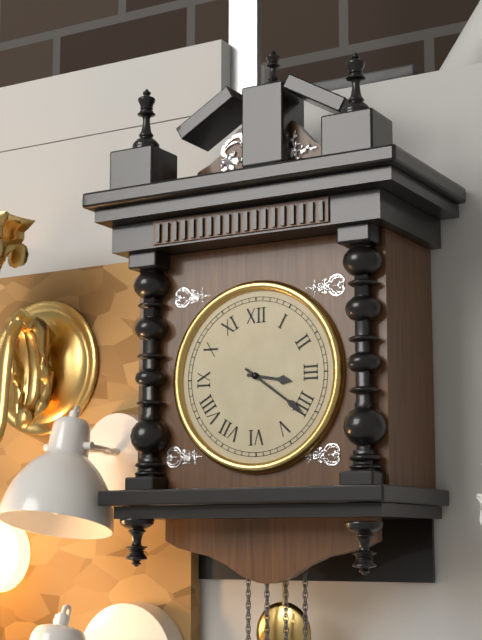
3:21
